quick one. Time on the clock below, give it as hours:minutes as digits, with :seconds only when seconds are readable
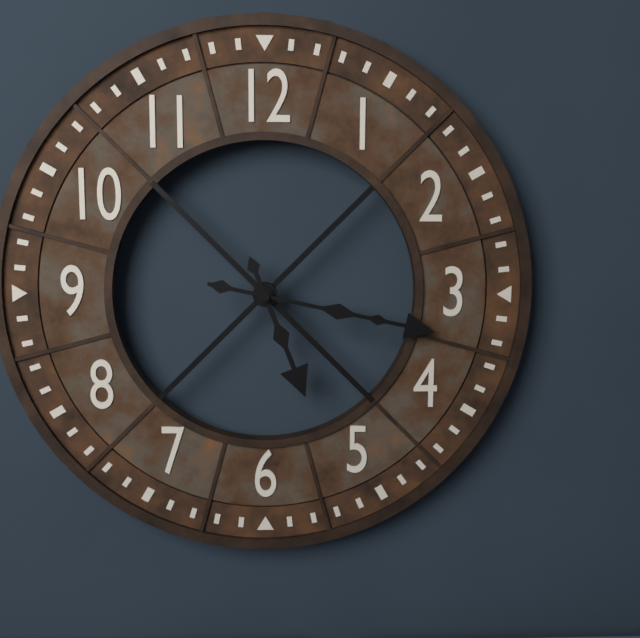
5:17
